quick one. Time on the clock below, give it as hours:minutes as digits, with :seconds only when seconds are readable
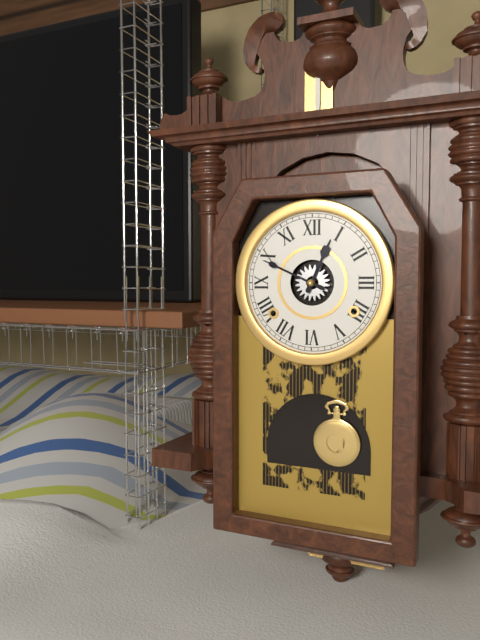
12:49
